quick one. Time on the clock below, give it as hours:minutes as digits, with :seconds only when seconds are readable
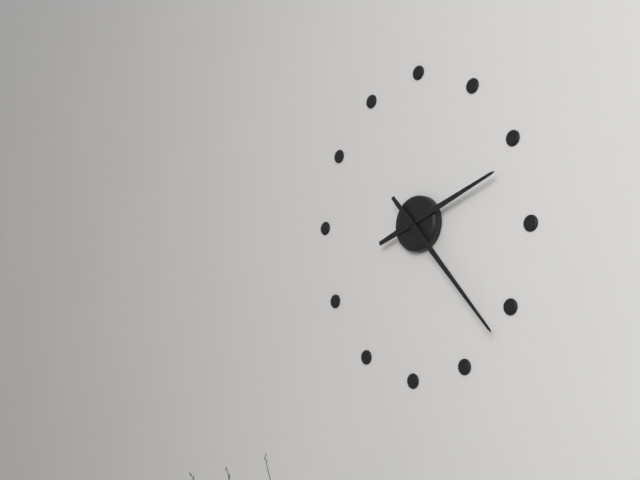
2:23
